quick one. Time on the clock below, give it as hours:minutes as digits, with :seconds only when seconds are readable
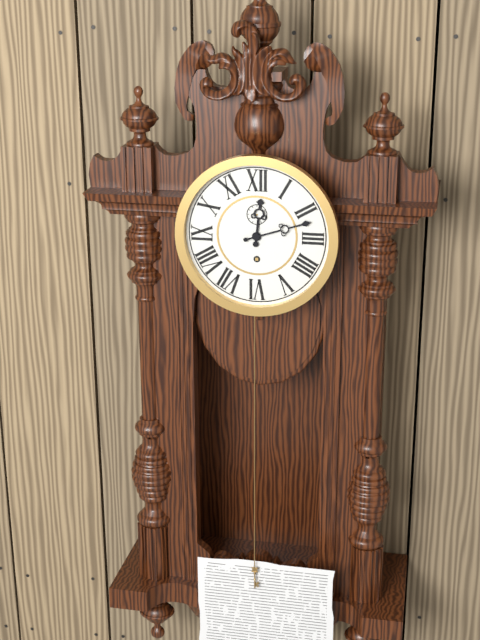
12:12
